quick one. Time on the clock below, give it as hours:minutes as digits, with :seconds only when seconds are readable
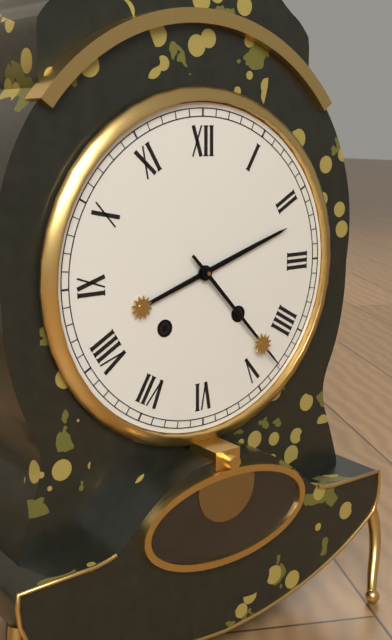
2:23
